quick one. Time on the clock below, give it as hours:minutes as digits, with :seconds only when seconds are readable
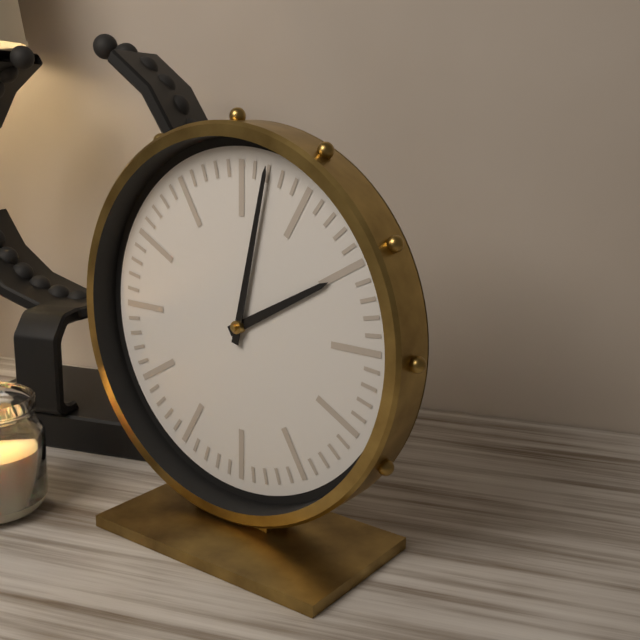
2:02
